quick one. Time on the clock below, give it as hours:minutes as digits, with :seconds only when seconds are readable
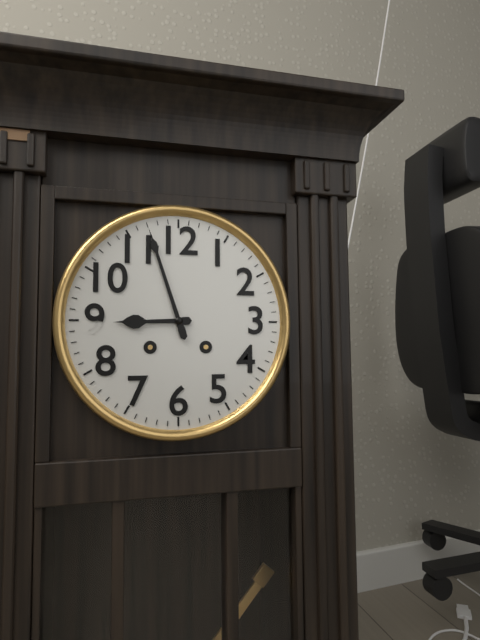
8:57
